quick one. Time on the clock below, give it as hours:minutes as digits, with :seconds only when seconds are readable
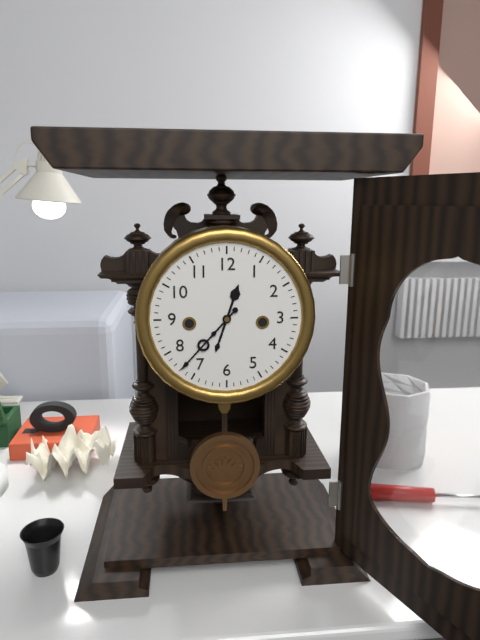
12:37
